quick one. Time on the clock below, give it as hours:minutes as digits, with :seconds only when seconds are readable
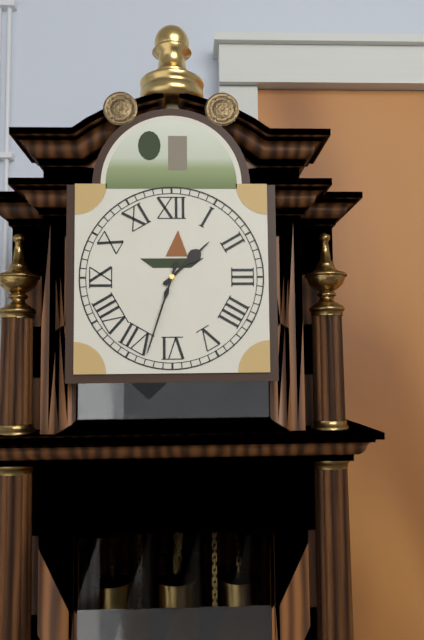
1:33
